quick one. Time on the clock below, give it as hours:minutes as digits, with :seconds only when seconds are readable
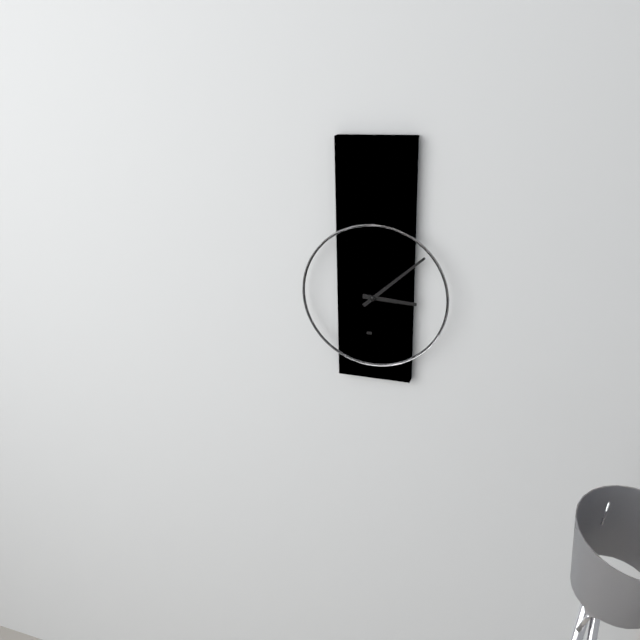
3:08
